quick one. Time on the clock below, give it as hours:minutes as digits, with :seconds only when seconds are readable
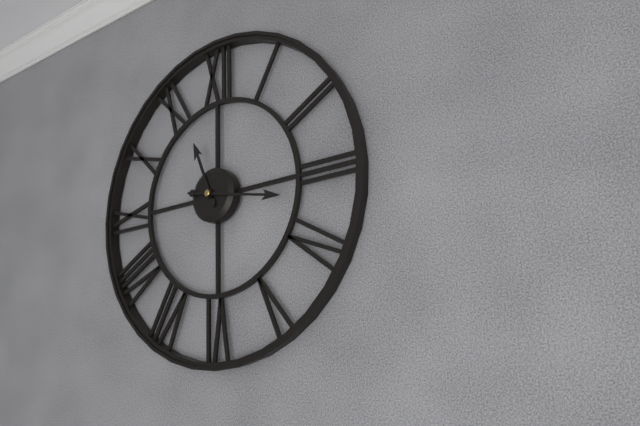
11:17
